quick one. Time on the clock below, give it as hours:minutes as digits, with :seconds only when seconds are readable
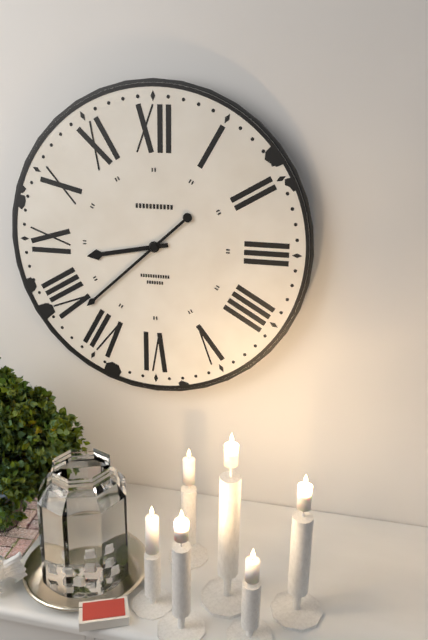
8:38
